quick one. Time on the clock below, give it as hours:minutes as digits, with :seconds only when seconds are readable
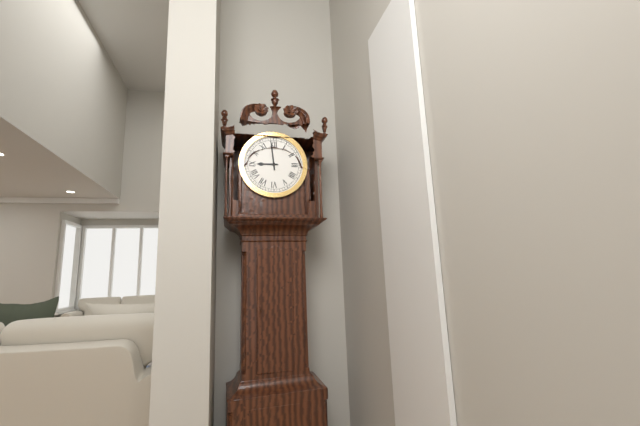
8:59
